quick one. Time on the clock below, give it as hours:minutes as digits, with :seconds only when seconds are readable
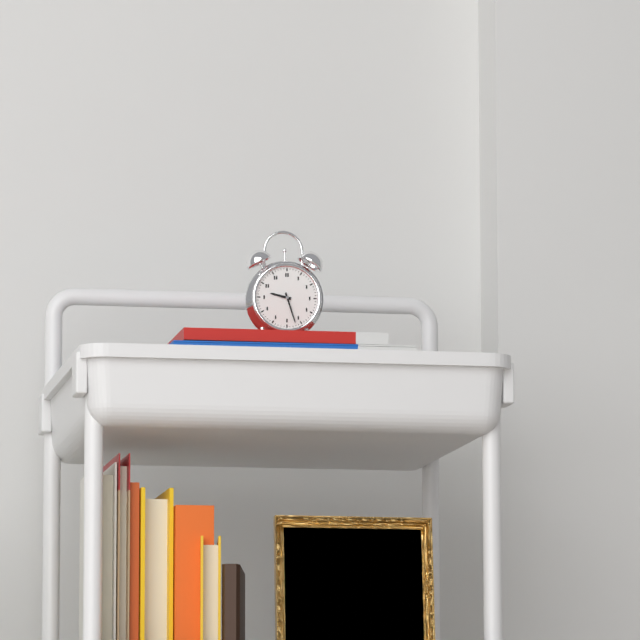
9:27
